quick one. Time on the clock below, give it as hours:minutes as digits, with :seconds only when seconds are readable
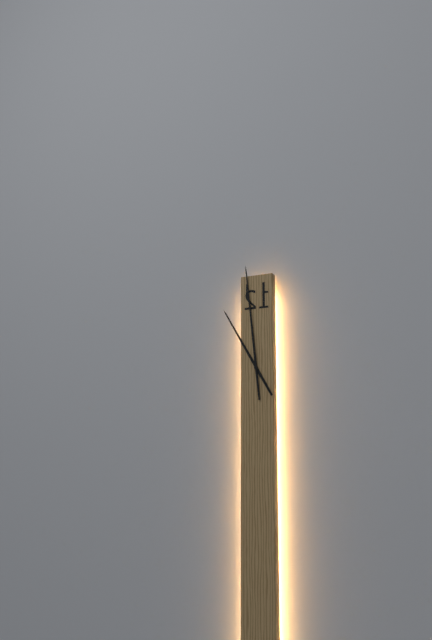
10:59
